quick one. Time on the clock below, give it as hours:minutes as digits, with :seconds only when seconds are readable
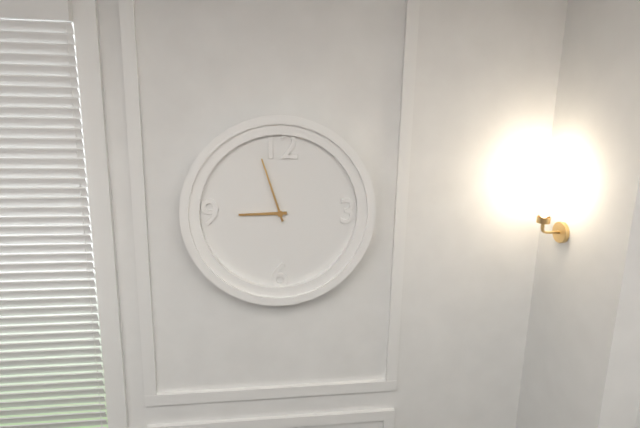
8:57
